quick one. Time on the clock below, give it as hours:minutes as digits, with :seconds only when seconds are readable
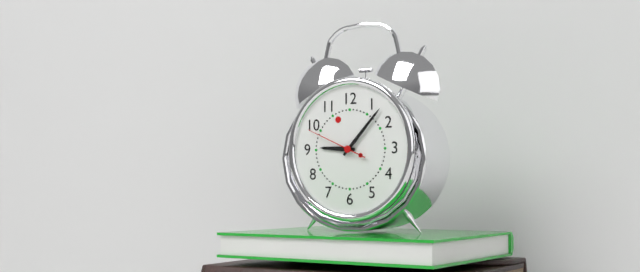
9:07:49
